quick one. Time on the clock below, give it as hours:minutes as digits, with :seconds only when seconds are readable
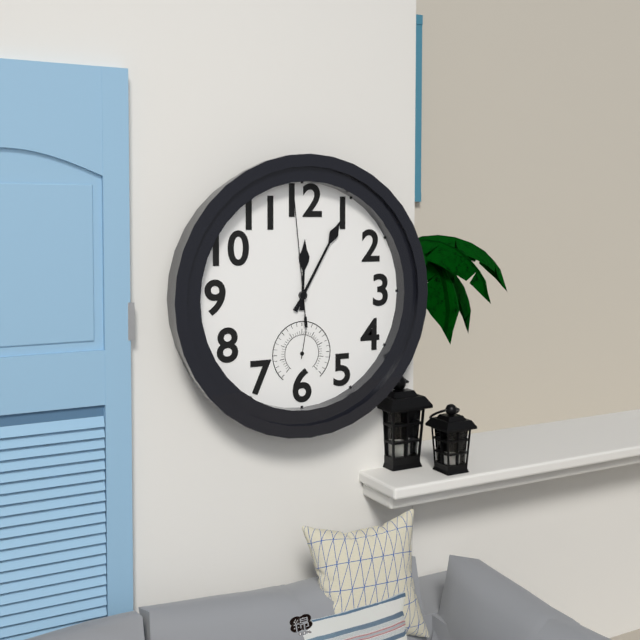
12:05:59
